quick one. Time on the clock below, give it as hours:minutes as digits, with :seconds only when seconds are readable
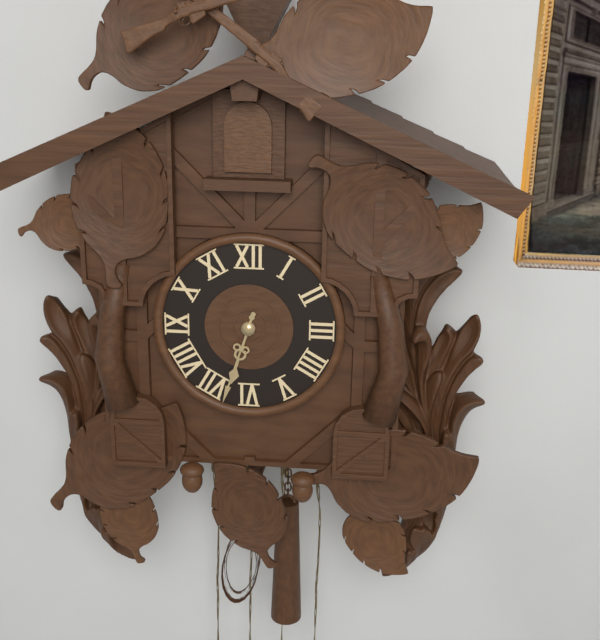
6:33
